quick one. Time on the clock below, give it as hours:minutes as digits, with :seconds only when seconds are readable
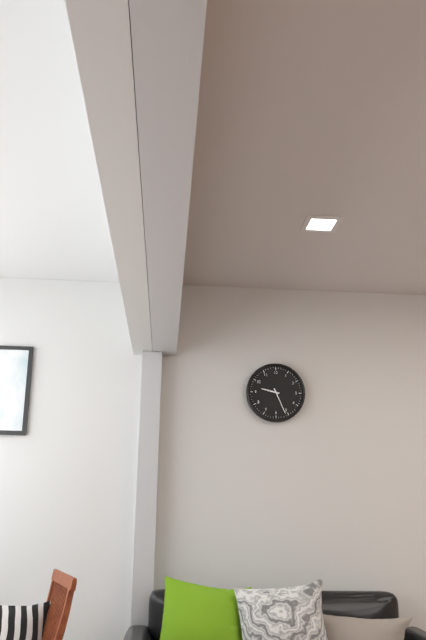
9:26
